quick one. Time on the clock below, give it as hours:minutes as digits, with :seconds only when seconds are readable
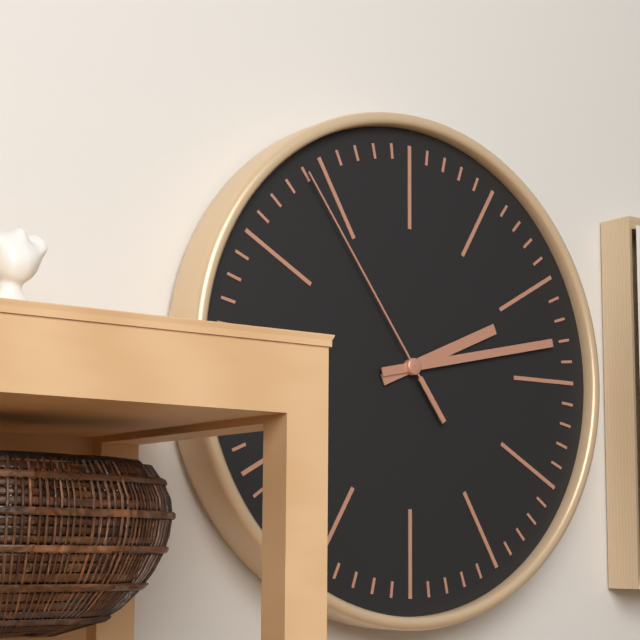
2:13:54
